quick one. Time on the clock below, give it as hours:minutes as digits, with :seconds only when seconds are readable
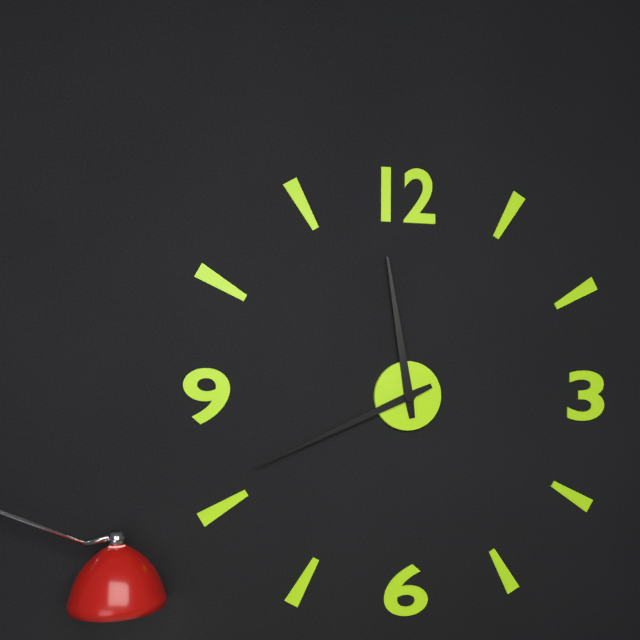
11:41
